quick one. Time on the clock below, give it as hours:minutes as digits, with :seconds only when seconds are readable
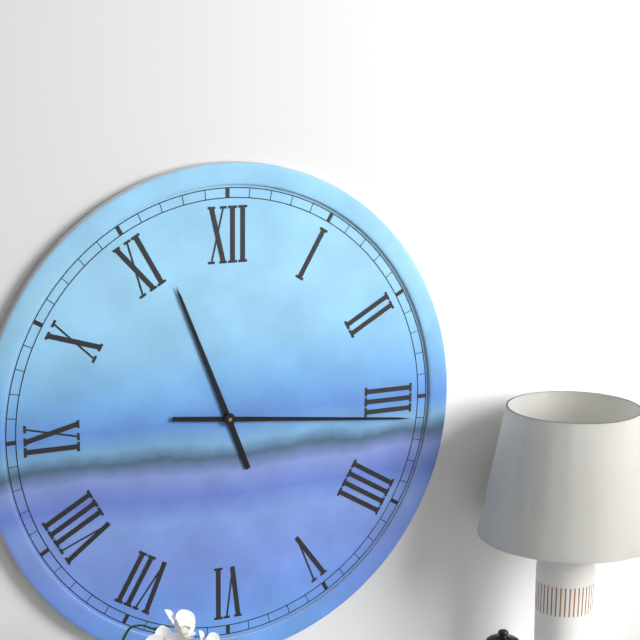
11:16
